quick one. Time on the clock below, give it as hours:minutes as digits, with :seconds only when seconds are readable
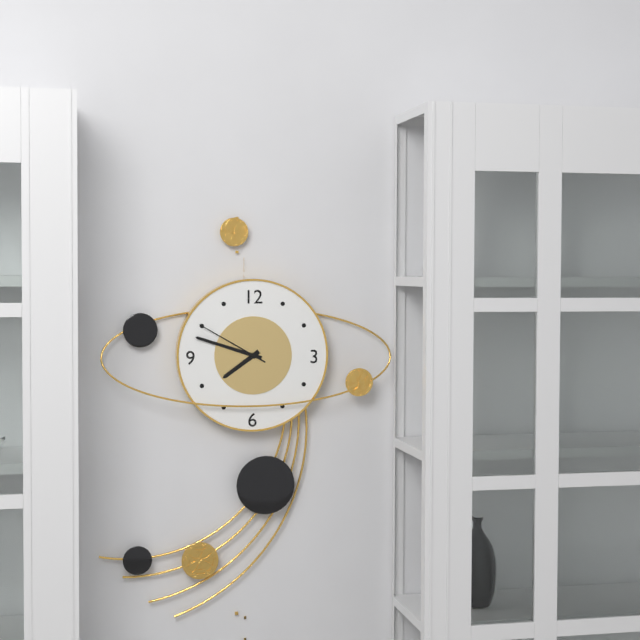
7:48:50
